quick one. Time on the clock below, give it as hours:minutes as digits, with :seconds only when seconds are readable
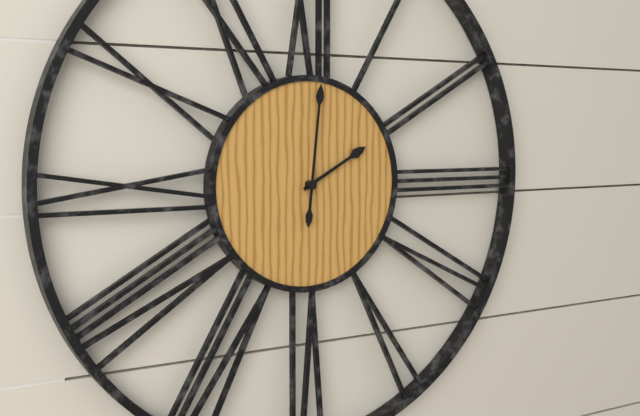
2:01
